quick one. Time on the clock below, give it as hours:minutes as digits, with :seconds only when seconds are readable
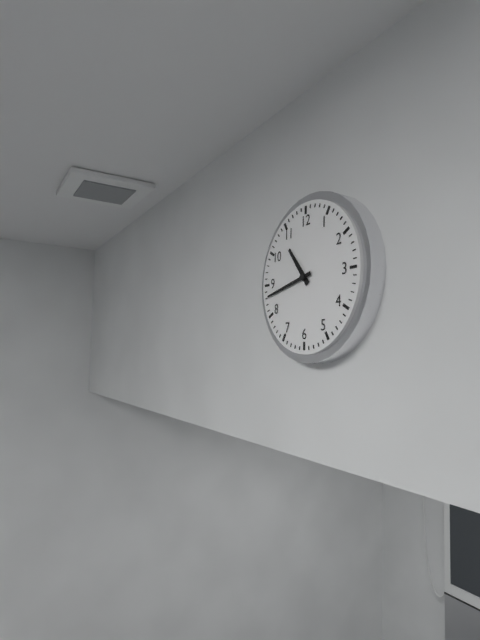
10:43
